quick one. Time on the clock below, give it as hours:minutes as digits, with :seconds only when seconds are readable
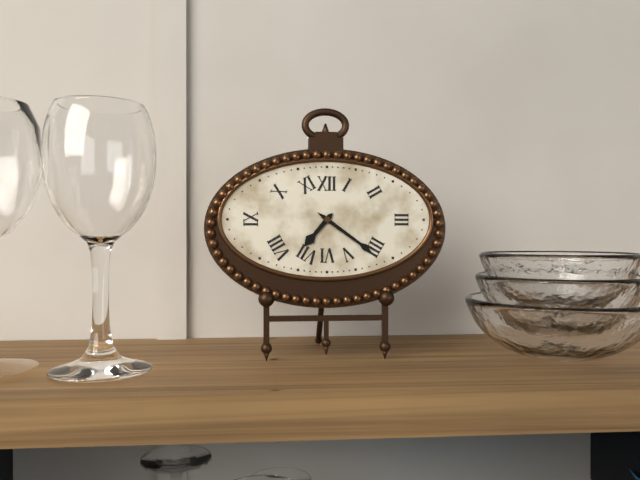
7:21
